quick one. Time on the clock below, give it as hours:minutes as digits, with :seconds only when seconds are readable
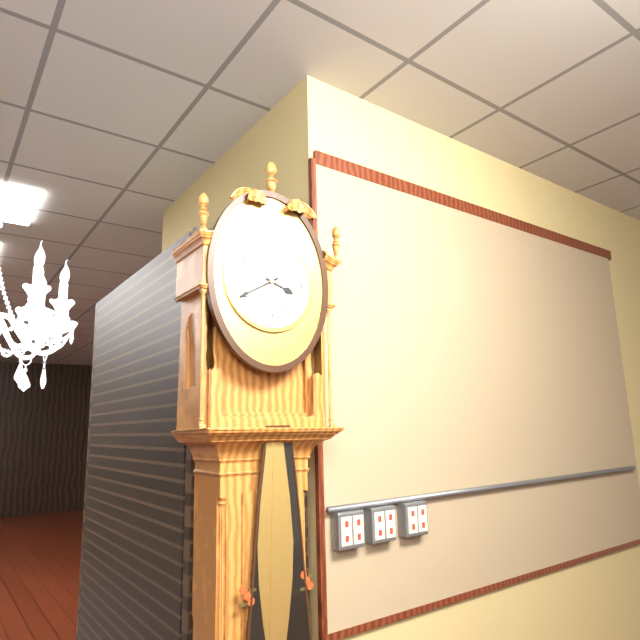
3:40
